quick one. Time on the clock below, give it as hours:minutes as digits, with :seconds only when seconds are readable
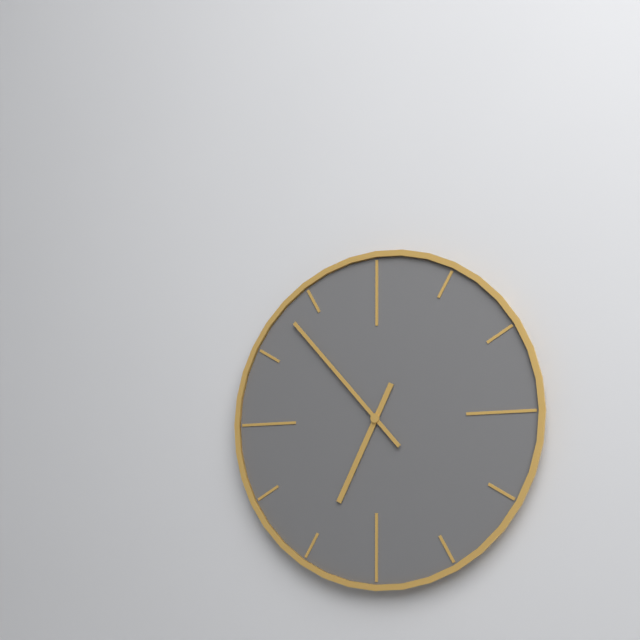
6:53
